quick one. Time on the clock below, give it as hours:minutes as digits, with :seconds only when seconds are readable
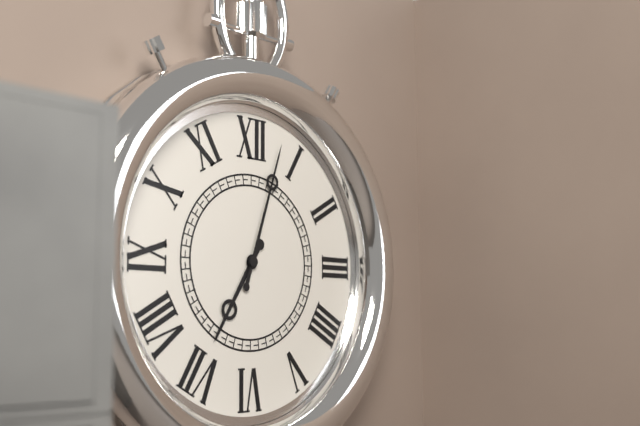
7:03
